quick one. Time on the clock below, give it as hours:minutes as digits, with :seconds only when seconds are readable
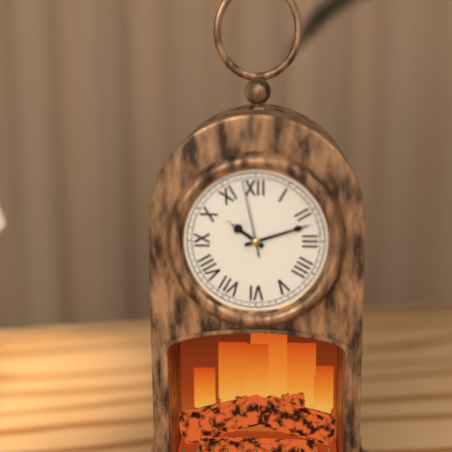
10:12:58
